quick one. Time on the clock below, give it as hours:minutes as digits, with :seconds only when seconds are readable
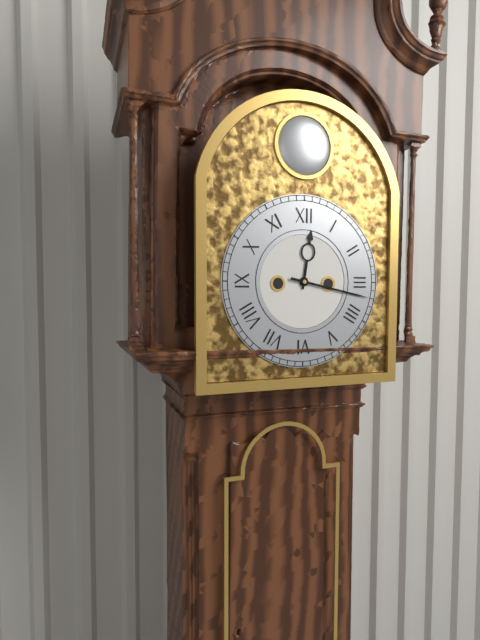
12:17
